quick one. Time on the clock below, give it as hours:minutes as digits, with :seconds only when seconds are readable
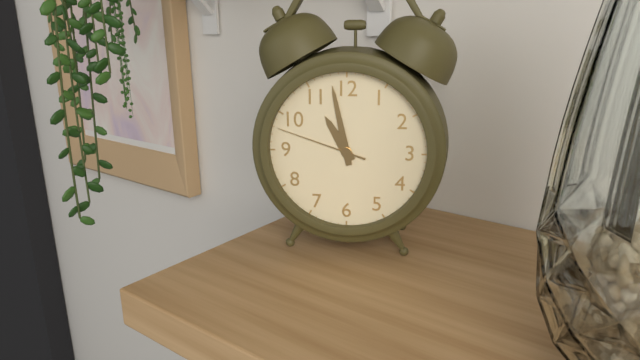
10:58:48
